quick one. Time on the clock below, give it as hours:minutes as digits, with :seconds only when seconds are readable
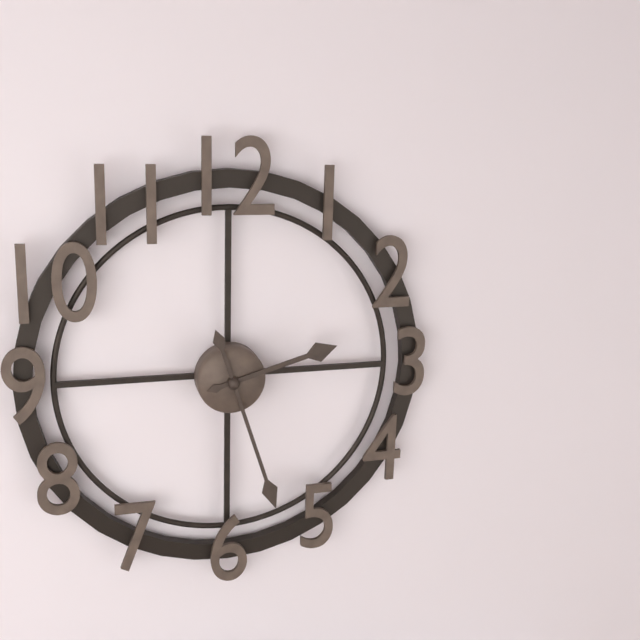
2:27
